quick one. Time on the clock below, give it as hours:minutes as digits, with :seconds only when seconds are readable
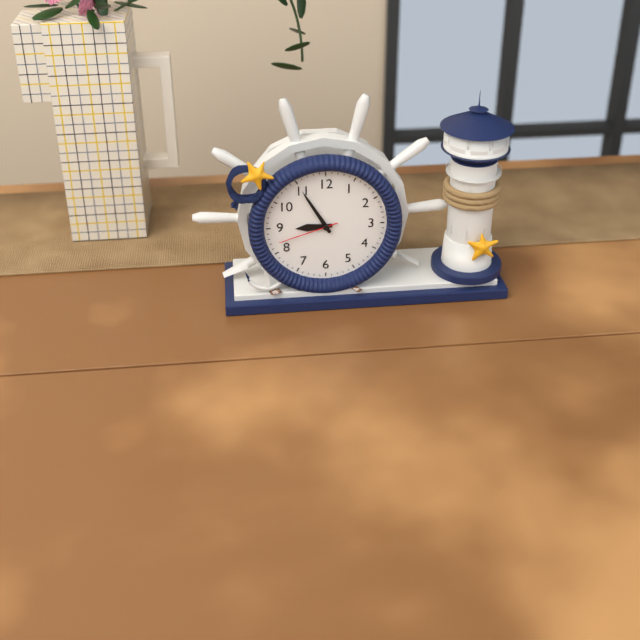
8:55:42
